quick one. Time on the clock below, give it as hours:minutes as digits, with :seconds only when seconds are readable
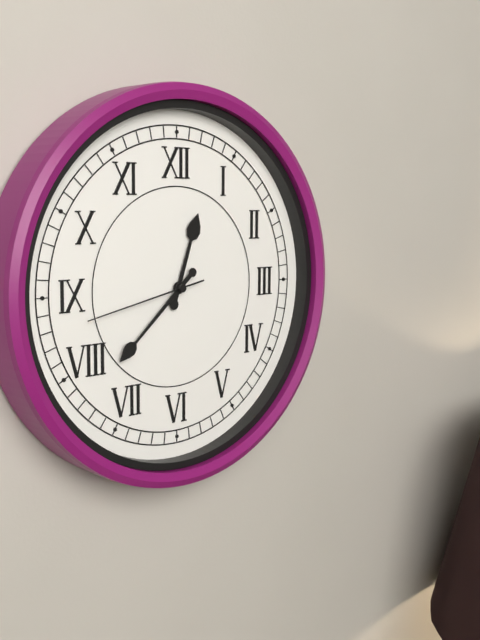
12:38:43
